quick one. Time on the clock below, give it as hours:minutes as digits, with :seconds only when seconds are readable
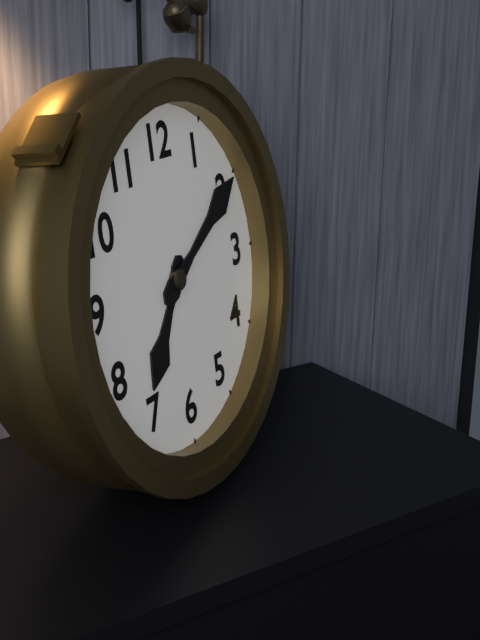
7:10
